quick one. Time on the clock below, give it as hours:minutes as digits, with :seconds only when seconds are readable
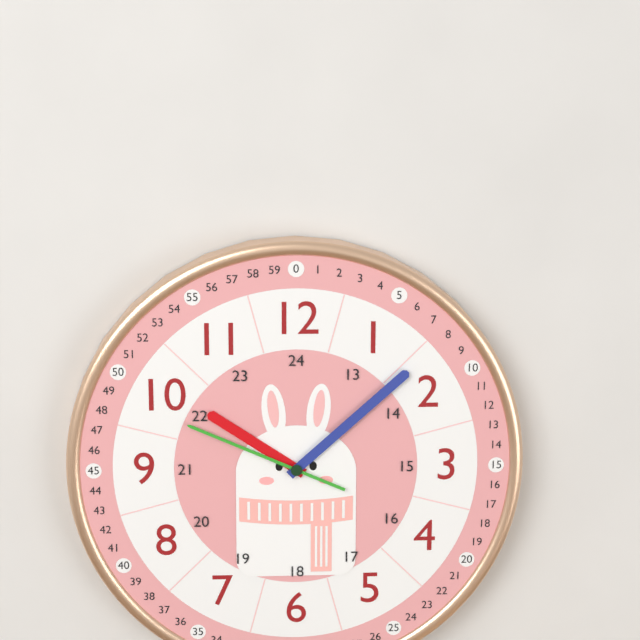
10:08:49
